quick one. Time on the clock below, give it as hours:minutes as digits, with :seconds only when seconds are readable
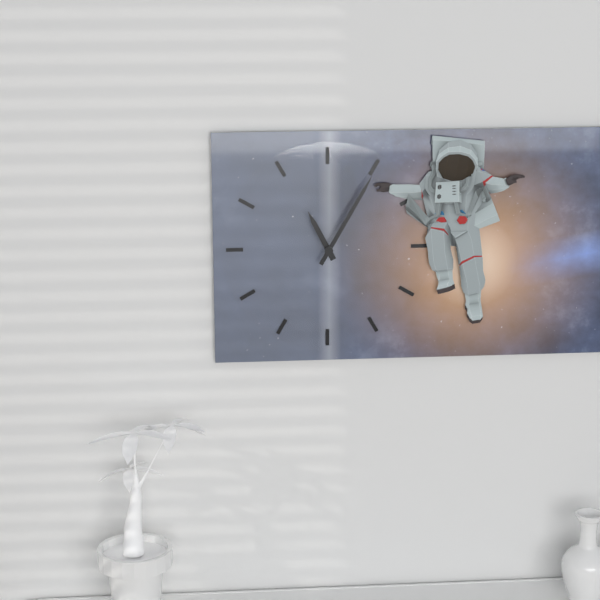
11:05
